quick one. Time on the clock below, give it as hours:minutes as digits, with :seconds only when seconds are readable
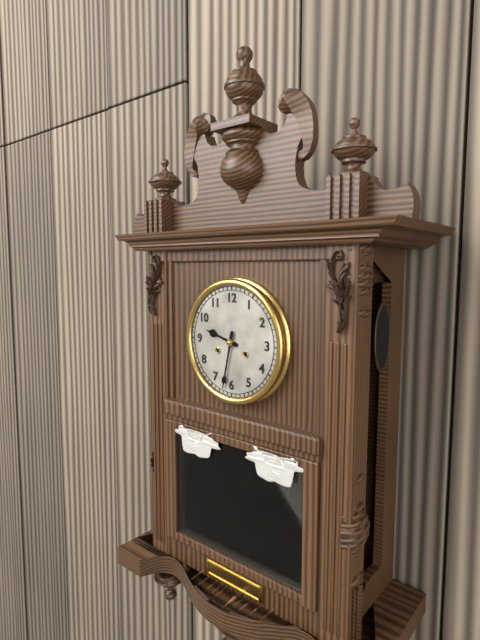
9:32
